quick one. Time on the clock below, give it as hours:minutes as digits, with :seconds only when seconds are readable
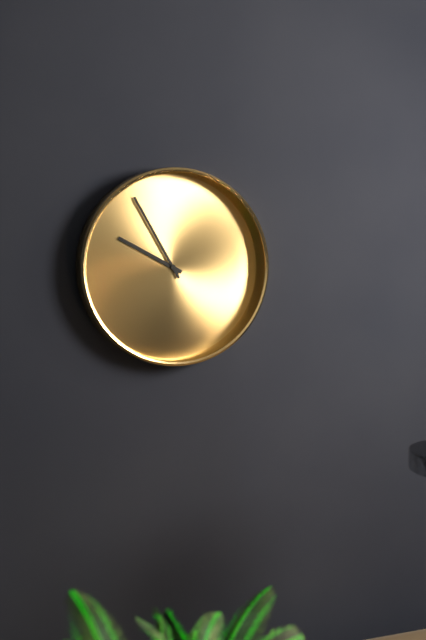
9:55
